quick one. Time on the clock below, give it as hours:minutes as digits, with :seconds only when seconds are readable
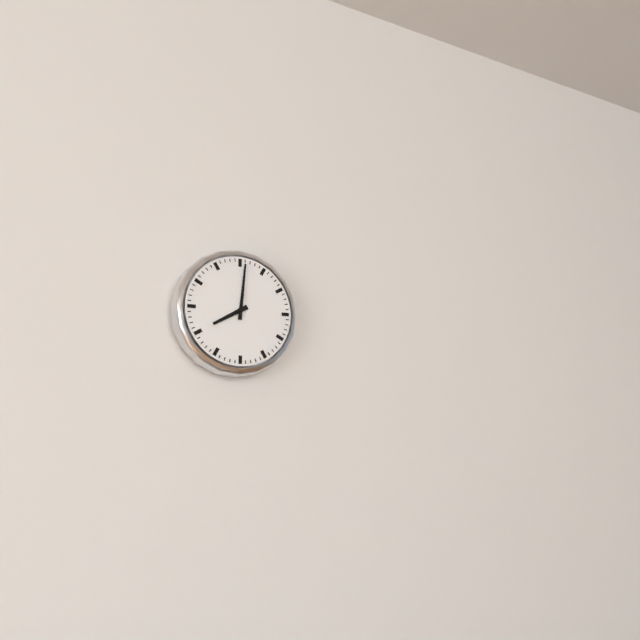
8:01
